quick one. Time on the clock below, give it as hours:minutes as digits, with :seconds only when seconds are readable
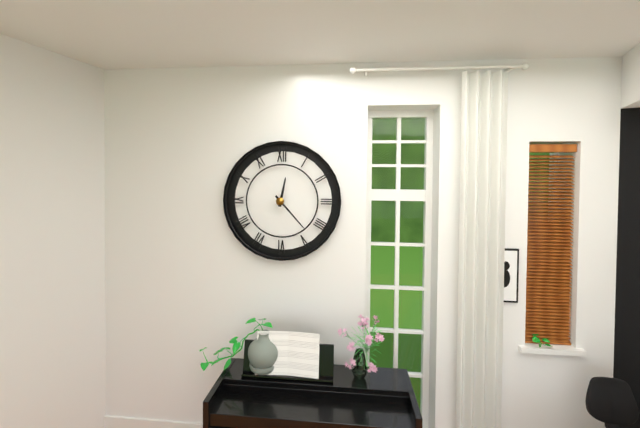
12:23
